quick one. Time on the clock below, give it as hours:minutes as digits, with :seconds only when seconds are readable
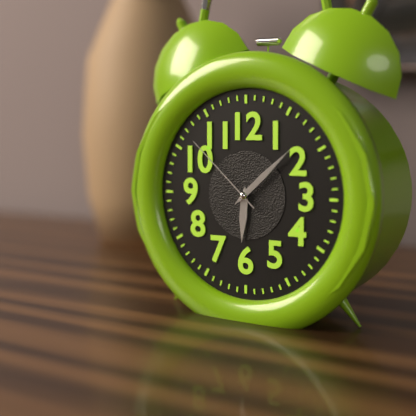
6:08:52
